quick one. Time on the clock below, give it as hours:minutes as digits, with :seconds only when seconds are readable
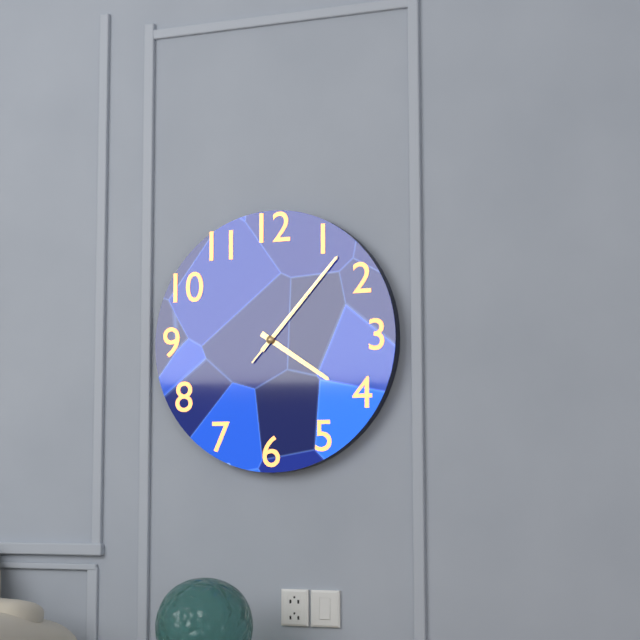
4:07:07
